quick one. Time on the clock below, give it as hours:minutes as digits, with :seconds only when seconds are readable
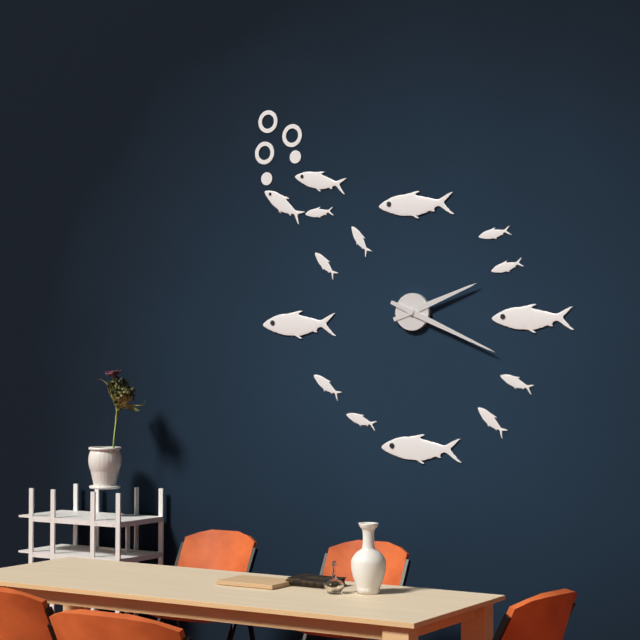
2:19
